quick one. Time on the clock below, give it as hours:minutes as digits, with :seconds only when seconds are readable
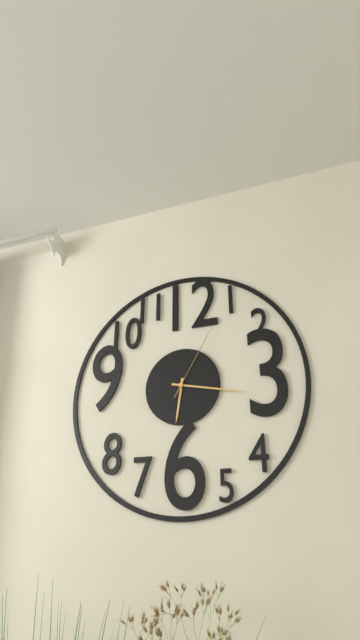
6:17:05
